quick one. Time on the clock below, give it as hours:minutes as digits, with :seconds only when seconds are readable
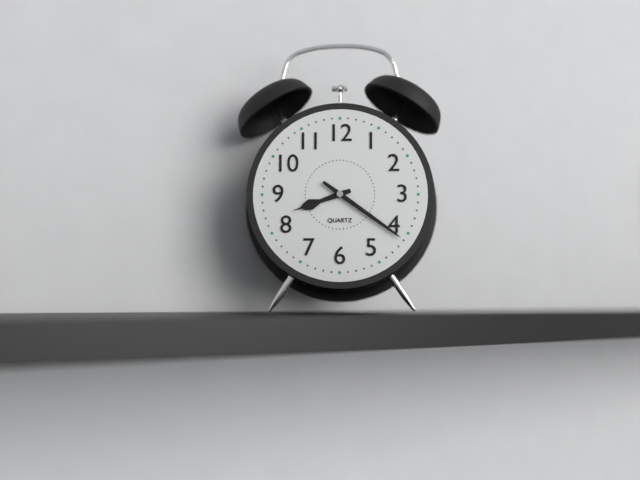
8:21
